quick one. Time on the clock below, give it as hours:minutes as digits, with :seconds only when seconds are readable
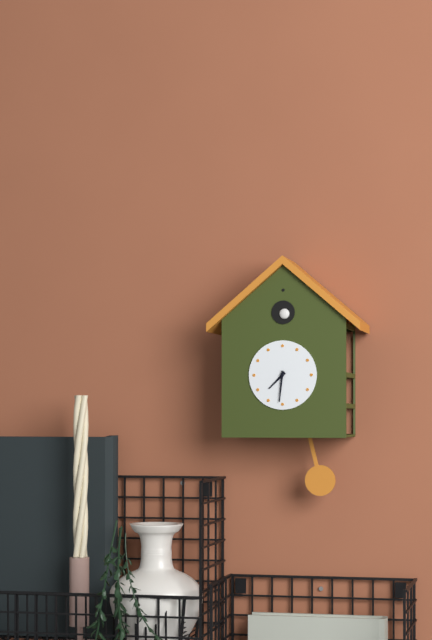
7:31
